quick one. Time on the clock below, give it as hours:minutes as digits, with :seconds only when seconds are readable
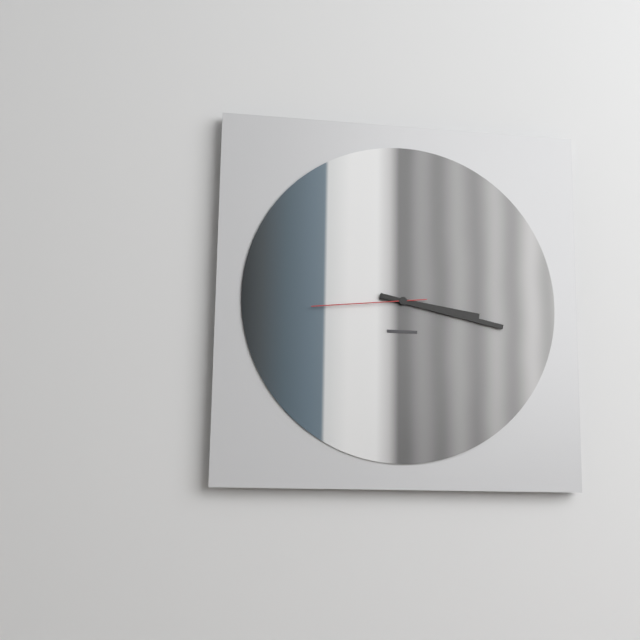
3:17:44
